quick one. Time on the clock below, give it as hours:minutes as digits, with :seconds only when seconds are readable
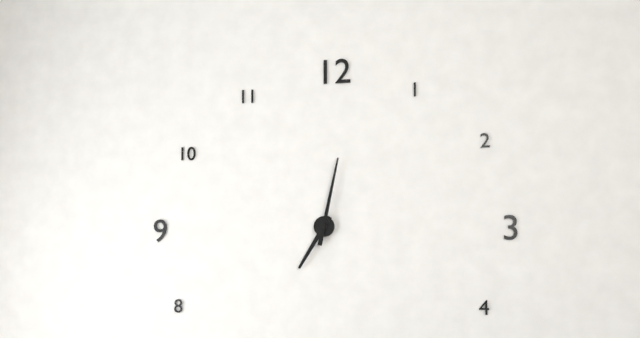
7:02
